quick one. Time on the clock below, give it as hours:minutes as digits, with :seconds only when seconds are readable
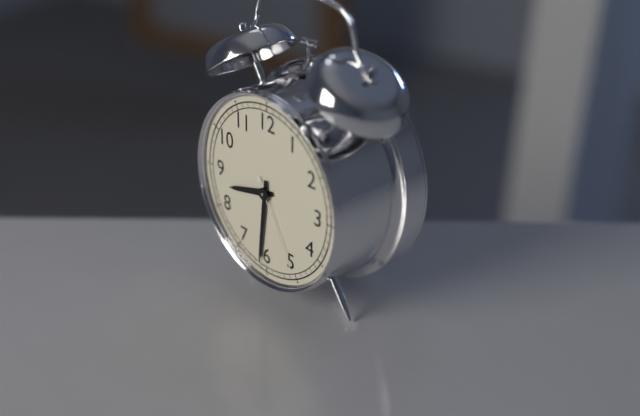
8:31:25
